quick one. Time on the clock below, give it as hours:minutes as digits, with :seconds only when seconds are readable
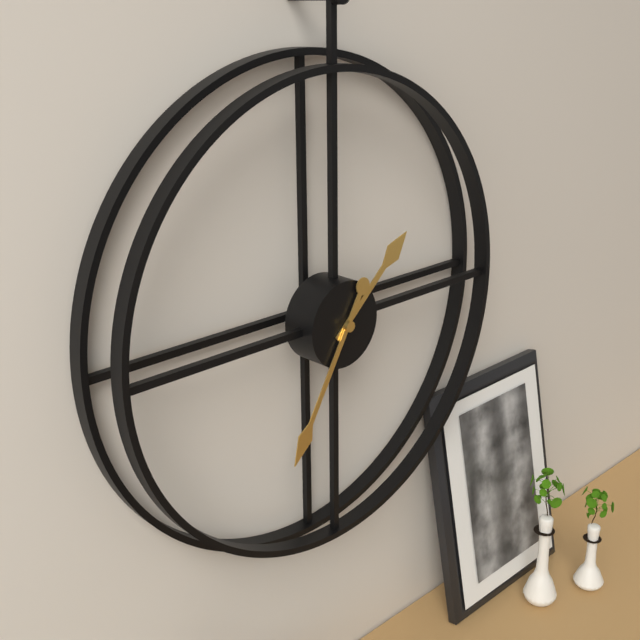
1:35
